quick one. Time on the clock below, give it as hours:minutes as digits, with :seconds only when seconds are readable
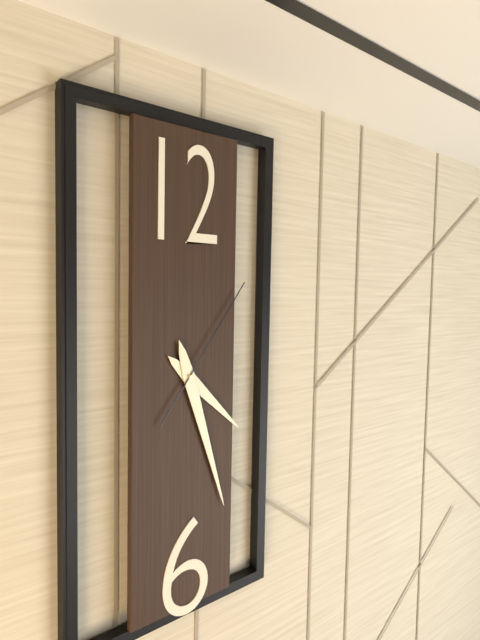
4:27:06
